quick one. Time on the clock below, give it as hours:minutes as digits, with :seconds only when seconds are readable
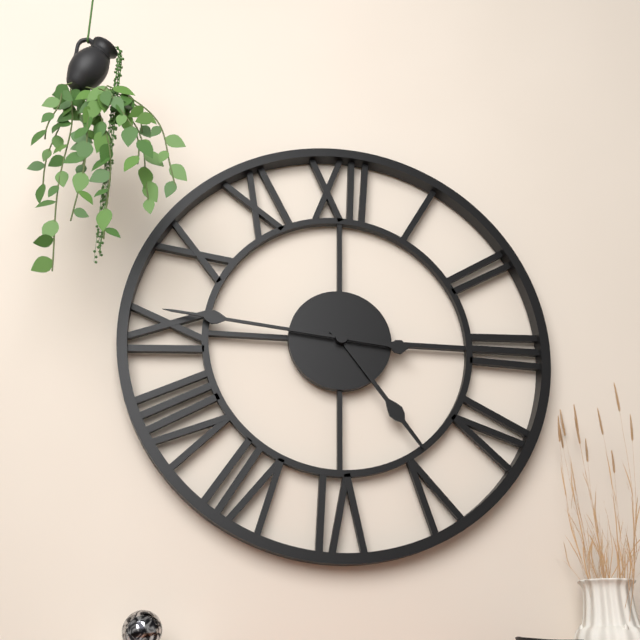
4:46
